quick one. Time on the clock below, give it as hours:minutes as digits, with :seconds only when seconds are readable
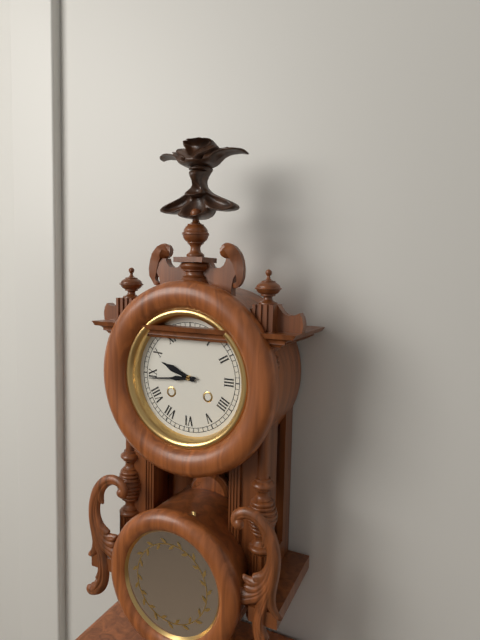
9:44
